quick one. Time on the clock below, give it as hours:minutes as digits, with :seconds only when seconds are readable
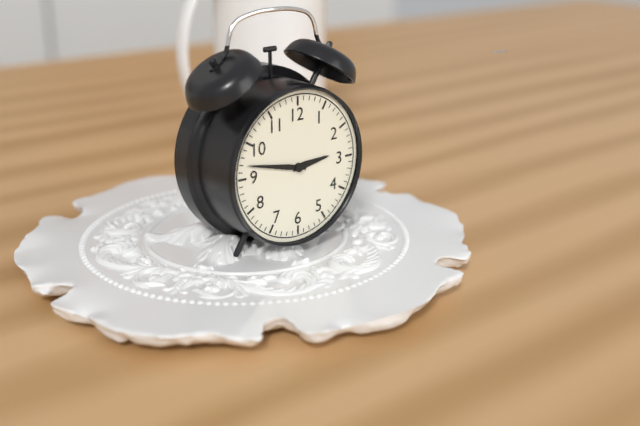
2:47
